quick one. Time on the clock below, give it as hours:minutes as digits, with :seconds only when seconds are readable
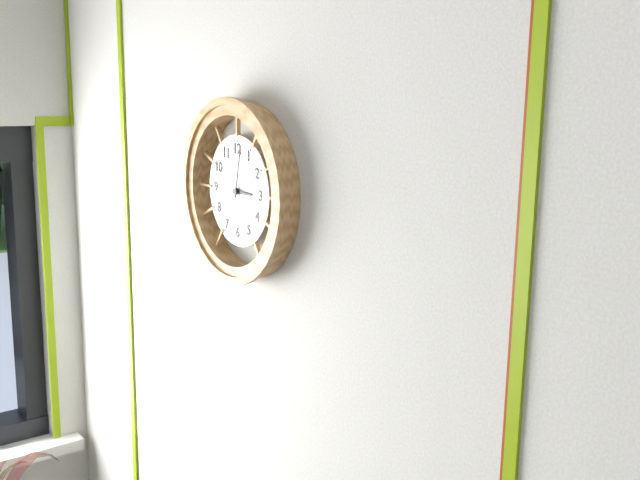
3:02
